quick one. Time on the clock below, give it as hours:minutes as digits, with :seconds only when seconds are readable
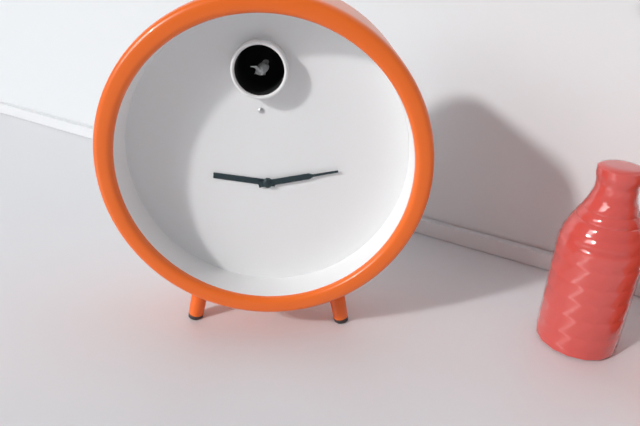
9:13
